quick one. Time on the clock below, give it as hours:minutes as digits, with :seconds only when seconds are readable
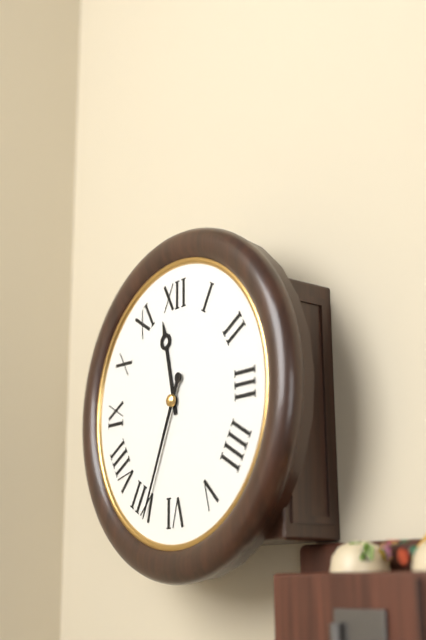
11:34
